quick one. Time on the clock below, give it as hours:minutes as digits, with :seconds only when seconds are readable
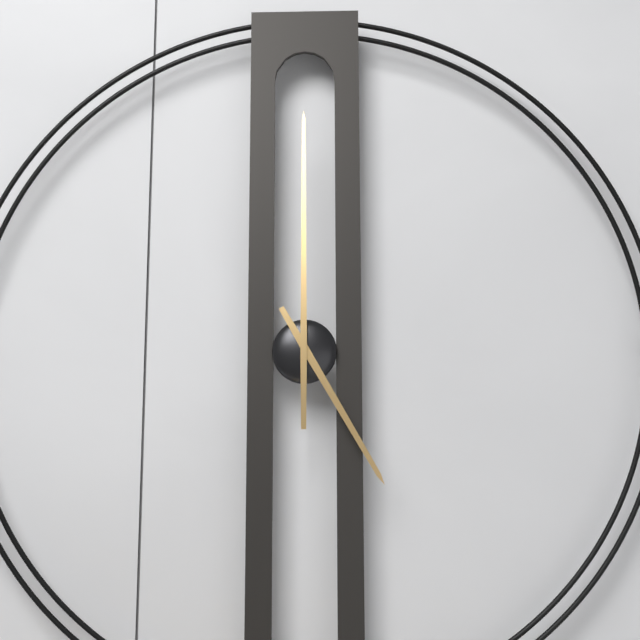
5:00
